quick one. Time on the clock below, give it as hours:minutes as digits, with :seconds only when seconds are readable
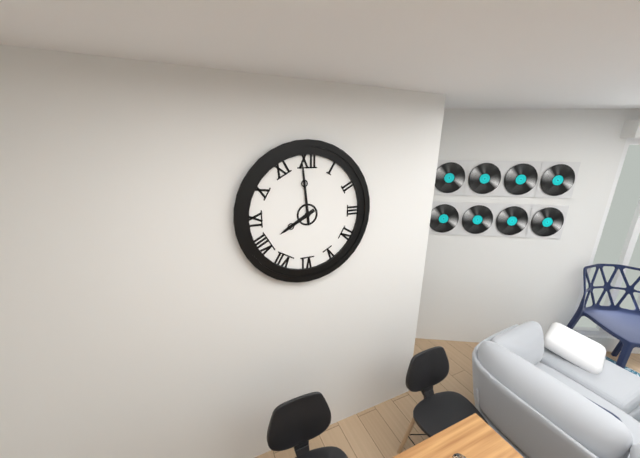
7:59
